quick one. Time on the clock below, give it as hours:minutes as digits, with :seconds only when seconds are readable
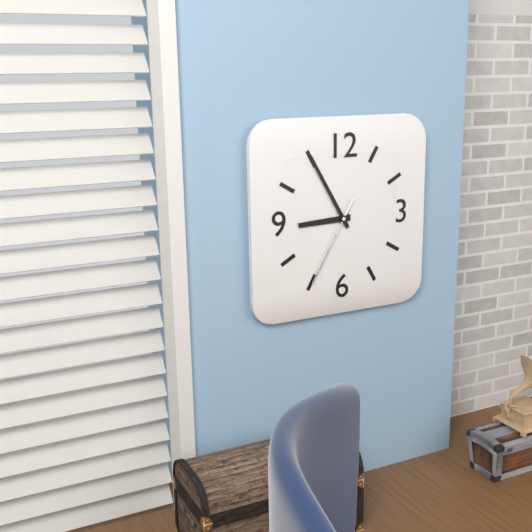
8:55:35
